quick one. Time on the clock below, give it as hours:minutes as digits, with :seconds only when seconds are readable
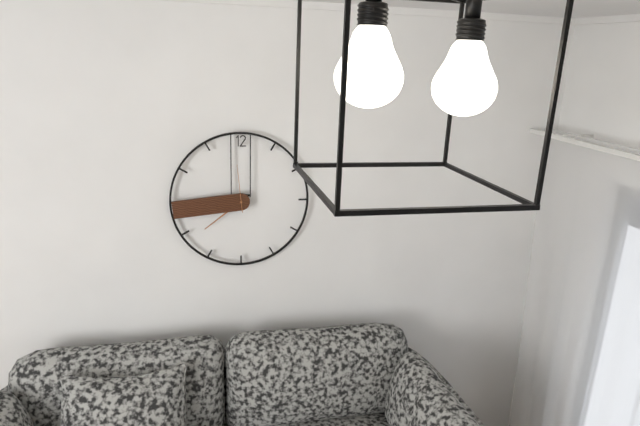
7:44
